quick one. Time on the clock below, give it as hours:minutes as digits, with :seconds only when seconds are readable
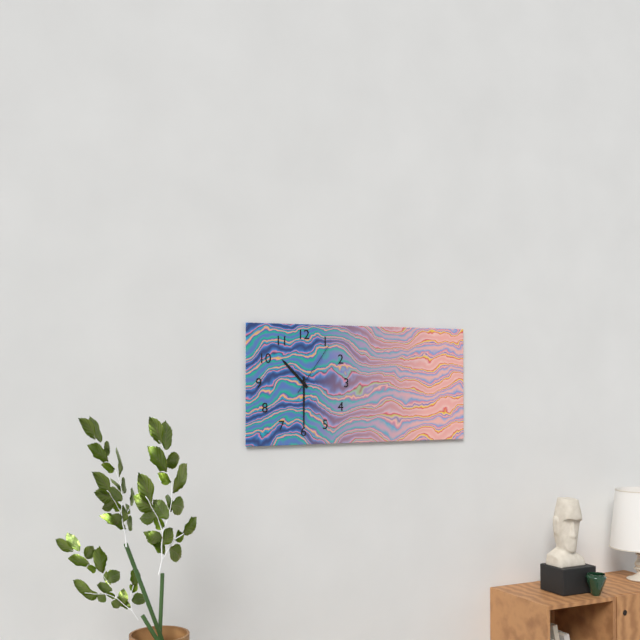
10:30:06
